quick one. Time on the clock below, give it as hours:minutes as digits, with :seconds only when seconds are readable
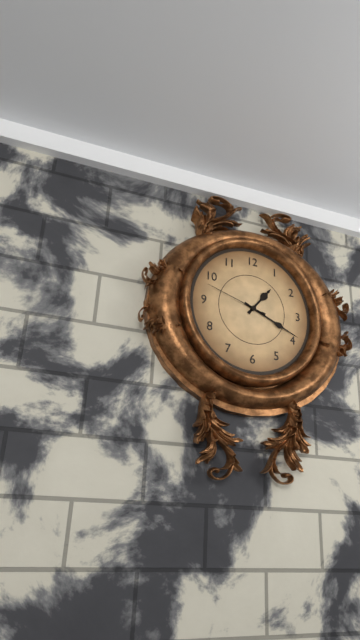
1:19:48
